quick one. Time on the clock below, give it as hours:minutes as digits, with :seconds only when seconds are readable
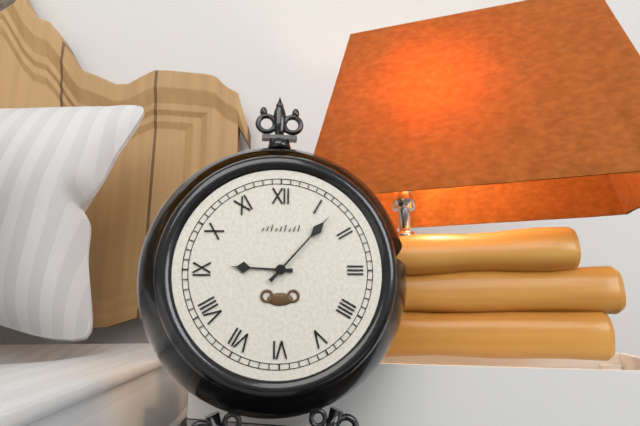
9:07
